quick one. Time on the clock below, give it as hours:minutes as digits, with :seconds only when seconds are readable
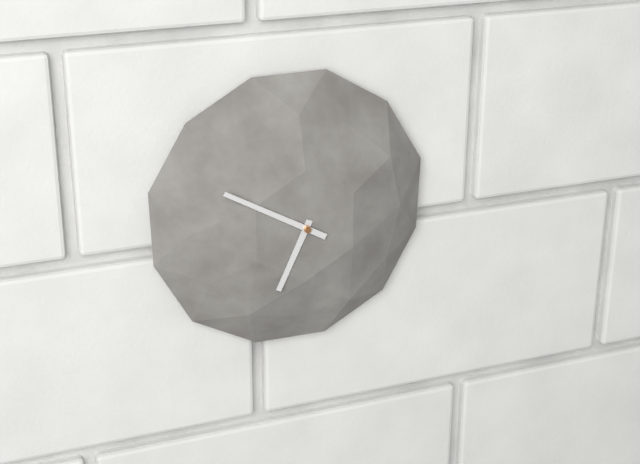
6:50
